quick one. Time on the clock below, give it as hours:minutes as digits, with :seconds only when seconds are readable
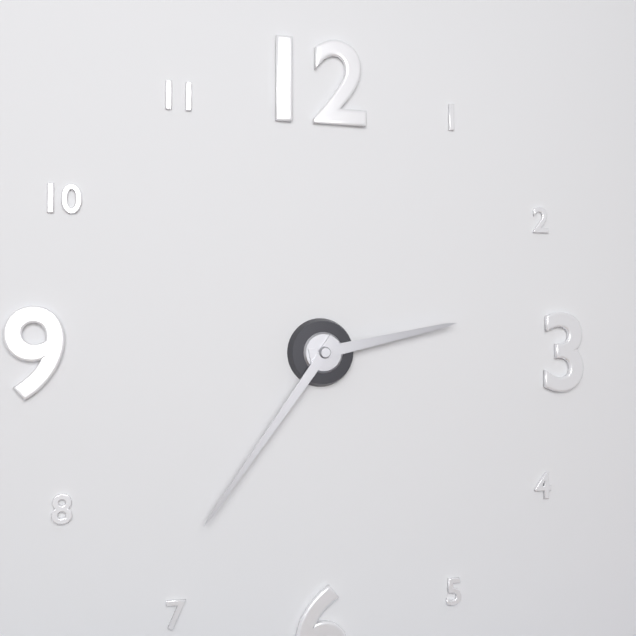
2:36
